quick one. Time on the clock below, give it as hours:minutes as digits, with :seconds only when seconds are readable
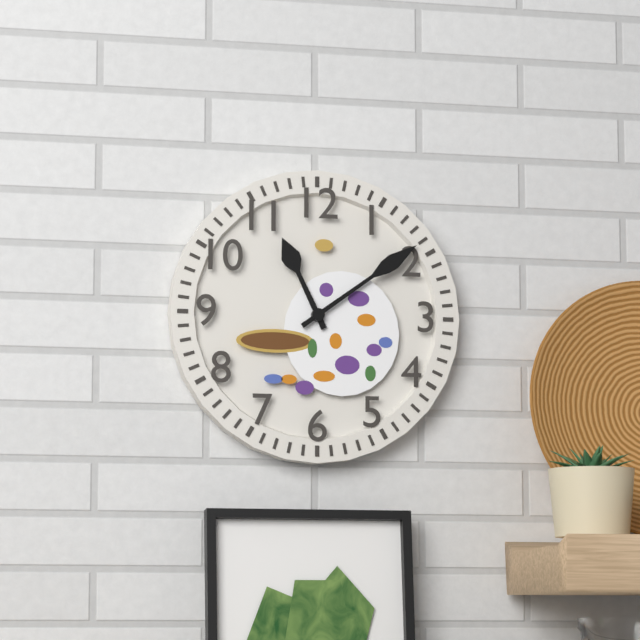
11:09
